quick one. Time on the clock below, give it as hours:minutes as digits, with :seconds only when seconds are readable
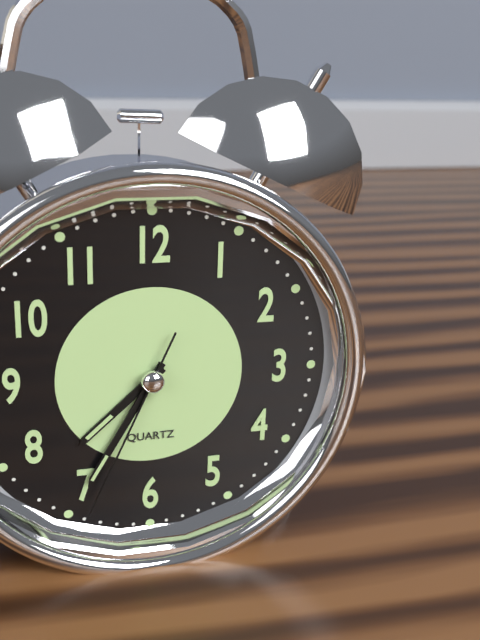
7:35:34
